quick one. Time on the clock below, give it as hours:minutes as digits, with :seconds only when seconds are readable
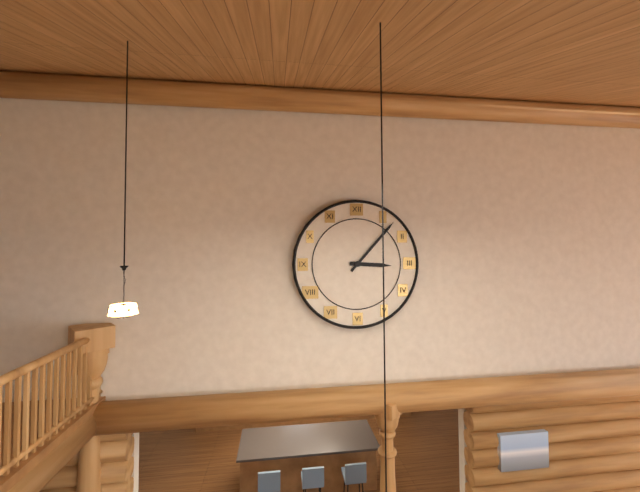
3:07
